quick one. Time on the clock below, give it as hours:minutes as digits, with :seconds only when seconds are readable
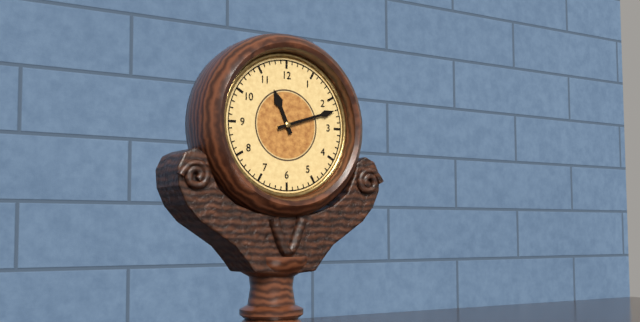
11:12
